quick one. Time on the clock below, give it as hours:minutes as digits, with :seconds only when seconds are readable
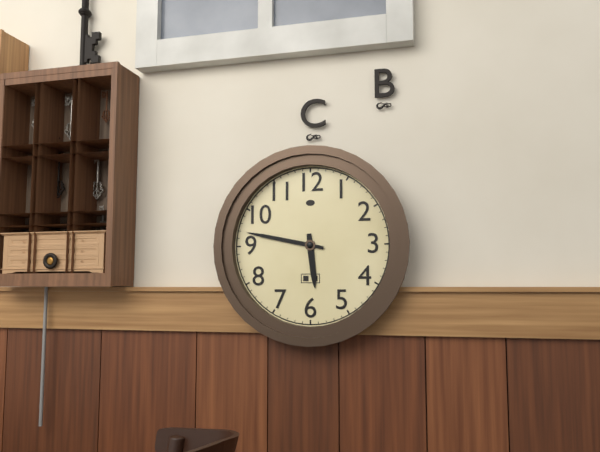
5:47
